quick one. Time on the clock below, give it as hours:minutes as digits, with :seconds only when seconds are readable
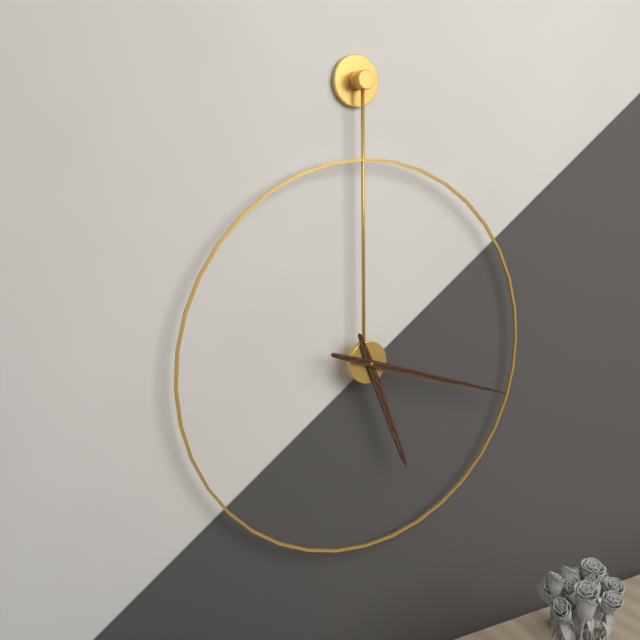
5:18
